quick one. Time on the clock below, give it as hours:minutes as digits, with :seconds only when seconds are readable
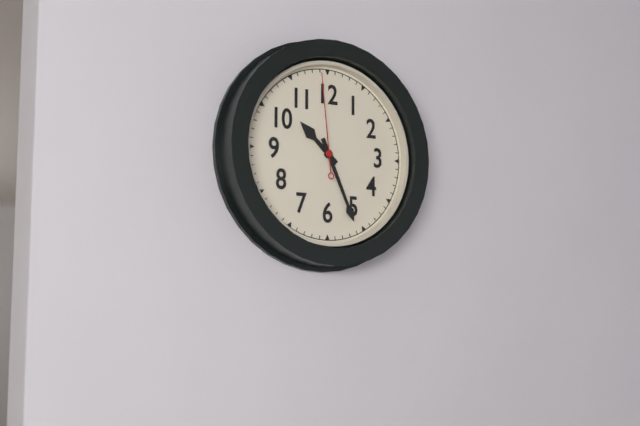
10:26:59
